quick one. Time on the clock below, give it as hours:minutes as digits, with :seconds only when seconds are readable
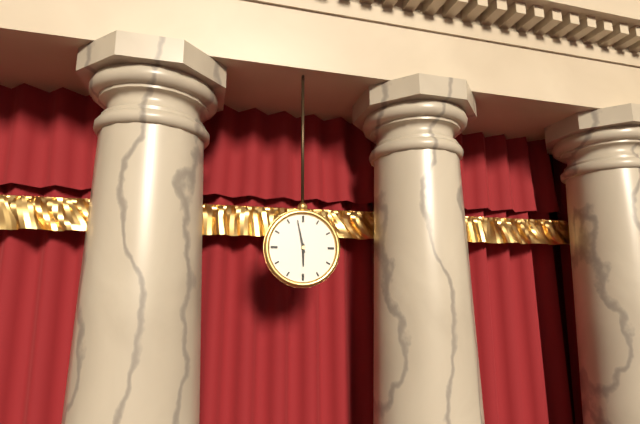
5:58
